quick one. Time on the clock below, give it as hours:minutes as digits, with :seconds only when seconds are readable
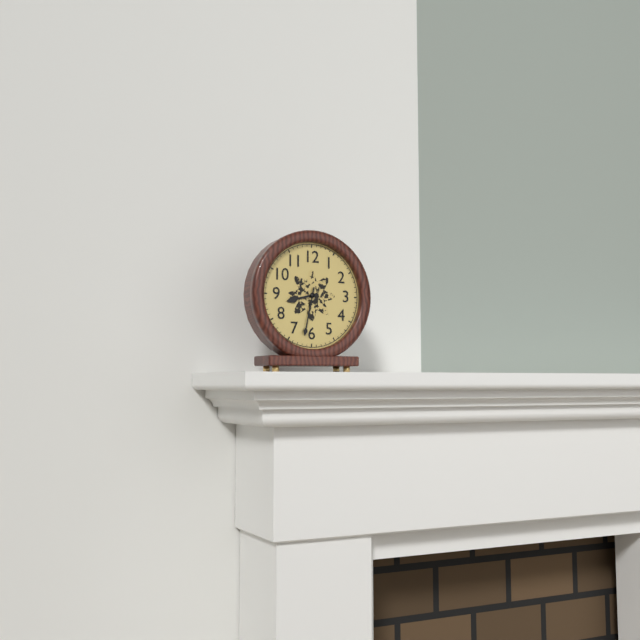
8:32
